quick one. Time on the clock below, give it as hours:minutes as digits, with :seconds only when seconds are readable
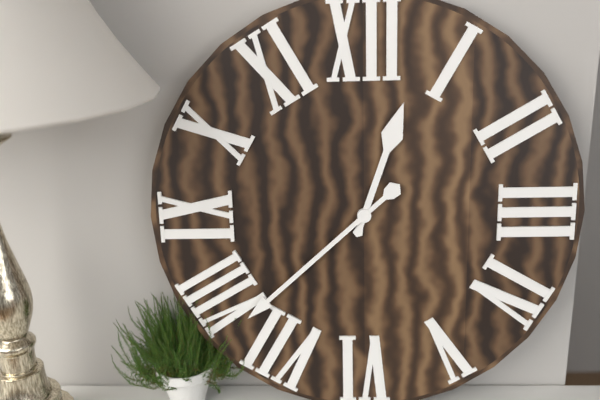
12:38
